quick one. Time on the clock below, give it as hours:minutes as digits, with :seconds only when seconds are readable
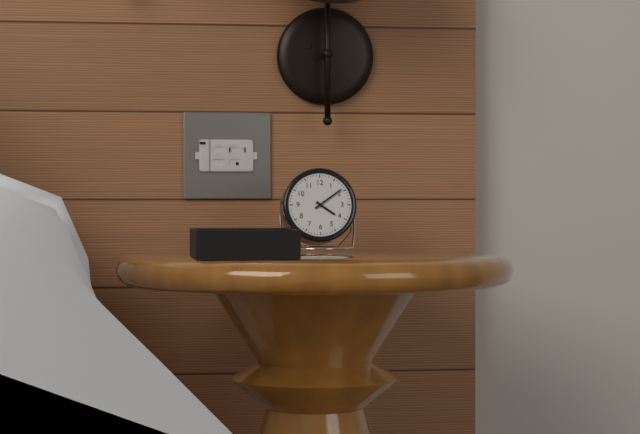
4:09
